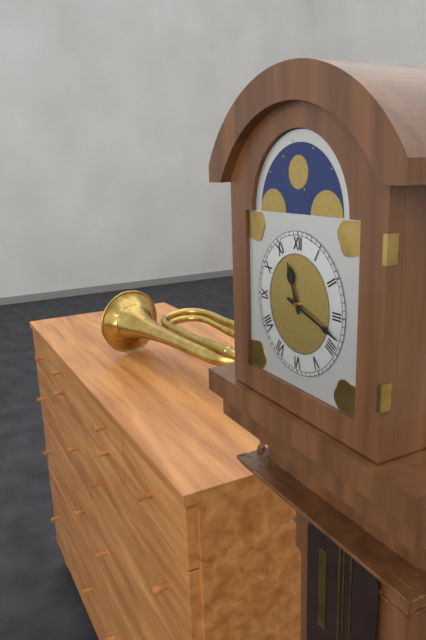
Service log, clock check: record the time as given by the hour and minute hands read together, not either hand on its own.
11:18
